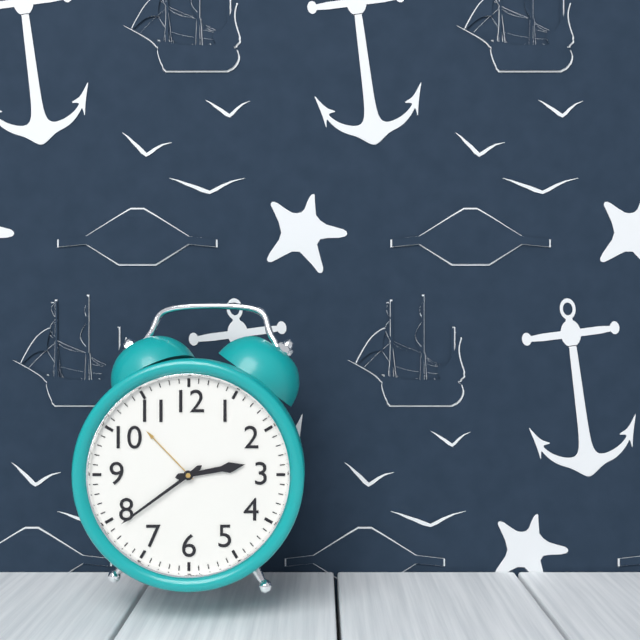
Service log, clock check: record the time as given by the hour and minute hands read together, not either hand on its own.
2:39
